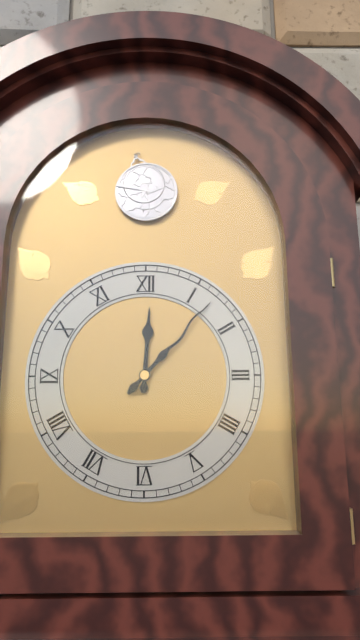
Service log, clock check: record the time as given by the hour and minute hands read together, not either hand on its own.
12:07
